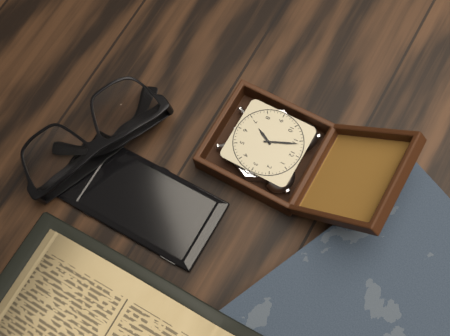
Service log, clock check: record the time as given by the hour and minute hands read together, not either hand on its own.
6:56
